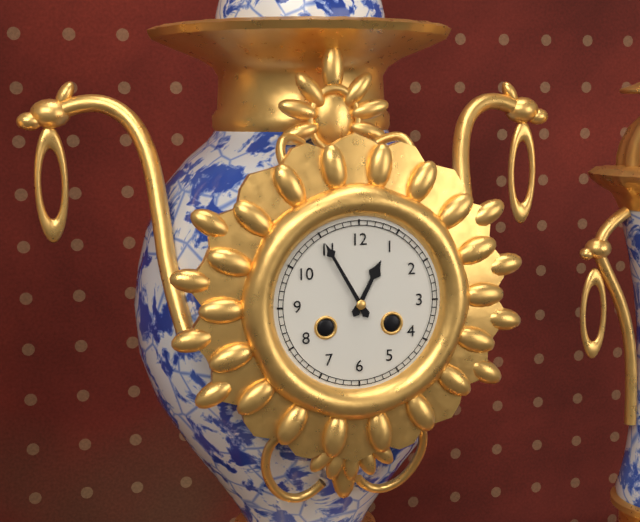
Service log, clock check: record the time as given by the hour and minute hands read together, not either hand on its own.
12:55
